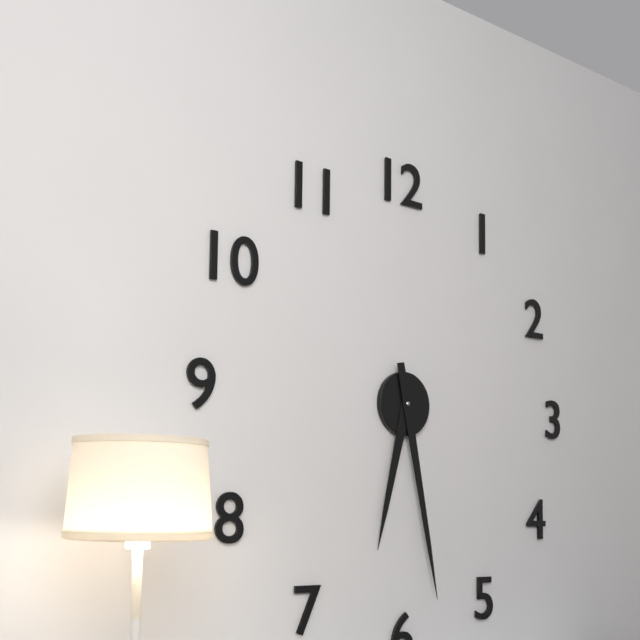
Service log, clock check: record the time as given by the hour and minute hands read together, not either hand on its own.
6:28
